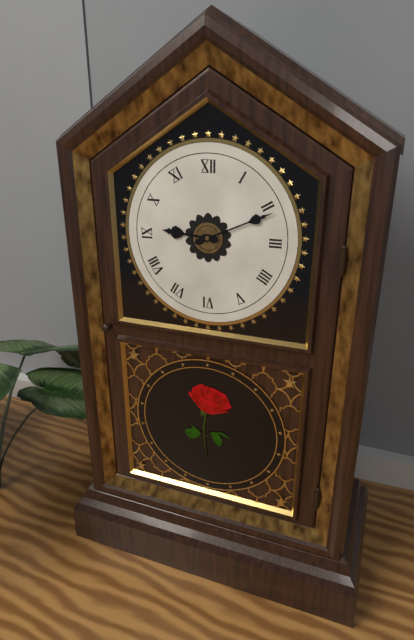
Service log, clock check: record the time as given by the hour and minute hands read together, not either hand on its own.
9:11
